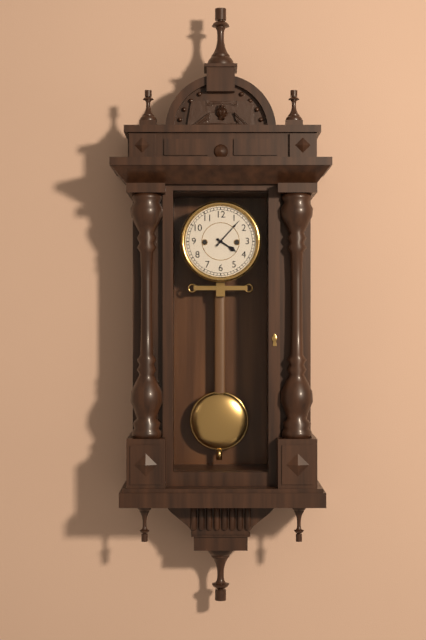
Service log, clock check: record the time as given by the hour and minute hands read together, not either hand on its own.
4:07
